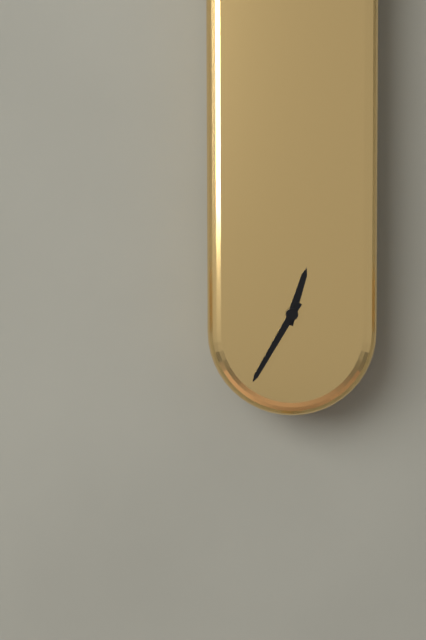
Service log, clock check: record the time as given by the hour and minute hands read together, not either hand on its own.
12:35
